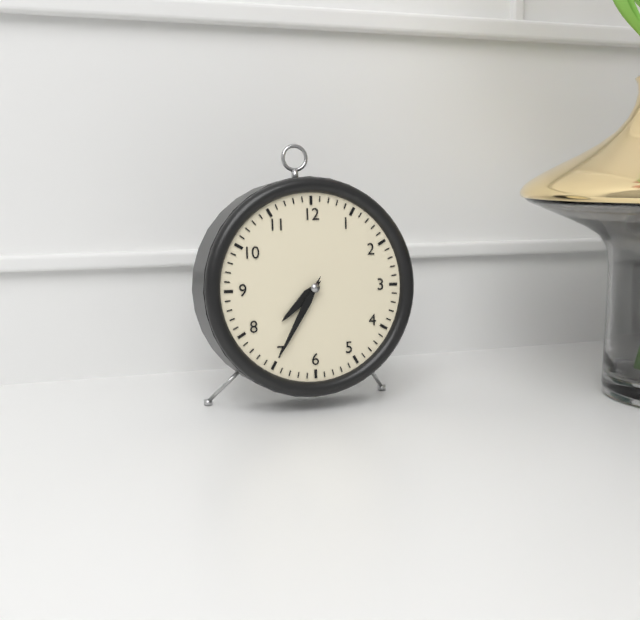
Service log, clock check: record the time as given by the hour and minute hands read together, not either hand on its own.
7:35
